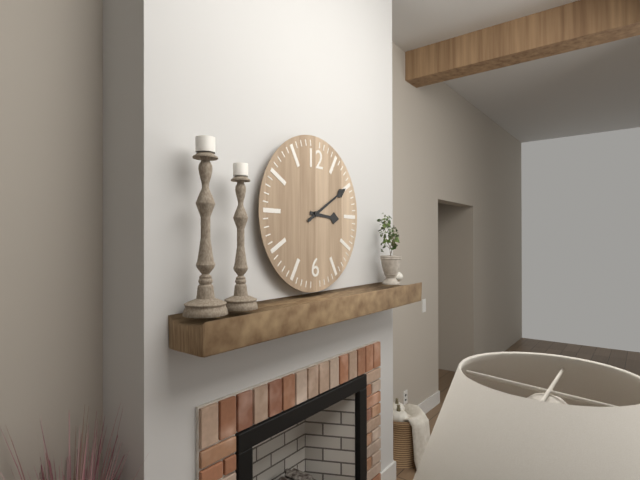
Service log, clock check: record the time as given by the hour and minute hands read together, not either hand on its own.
3:10
